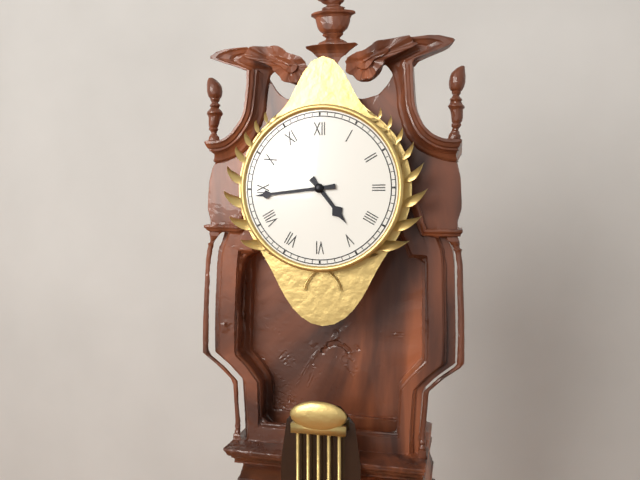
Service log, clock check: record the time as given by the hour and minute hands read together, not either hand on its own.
4:44
